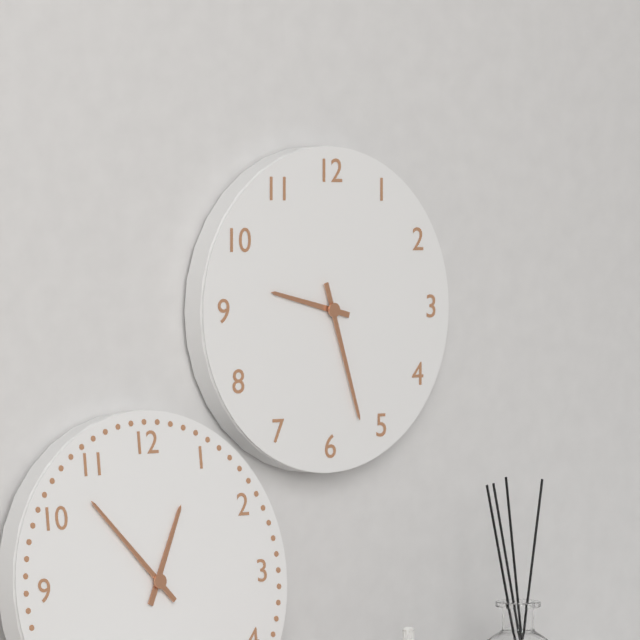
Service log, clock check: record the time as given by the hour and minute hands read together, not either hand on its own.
9:27
